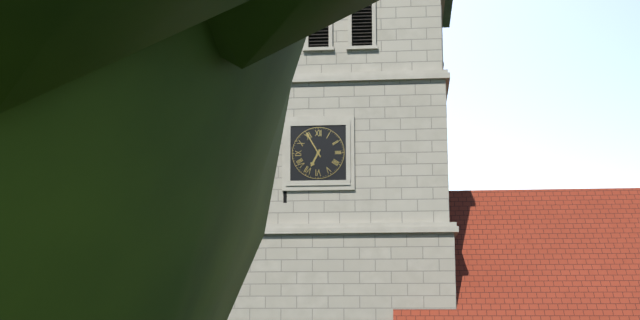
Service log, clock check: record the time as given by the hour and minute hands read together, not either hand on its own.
6:55
